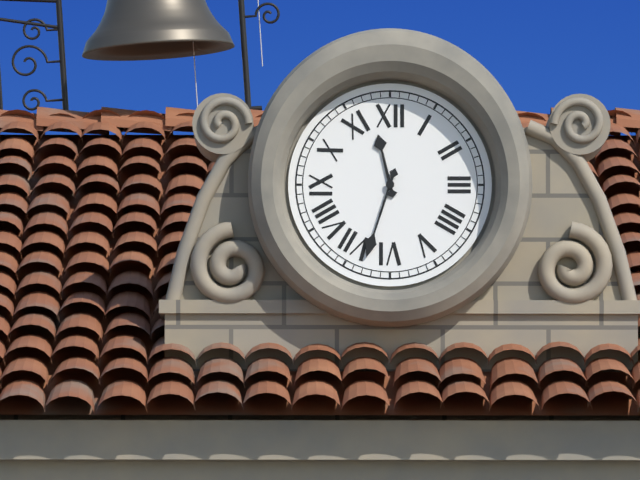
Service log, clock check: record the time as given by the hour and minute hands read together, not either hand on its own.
11:33
